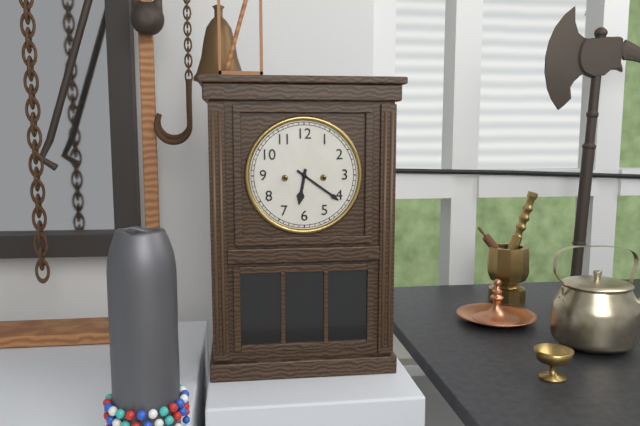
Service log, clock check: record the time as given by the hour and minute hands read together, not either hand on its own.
6:21
